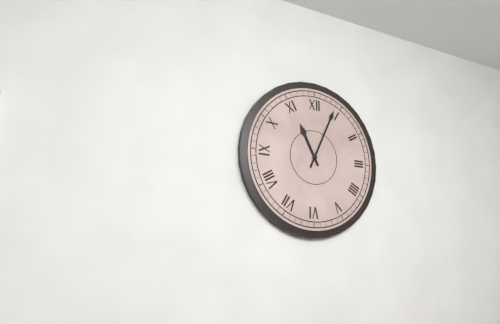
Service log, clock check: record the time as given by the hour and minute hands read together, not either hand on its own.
11:04
